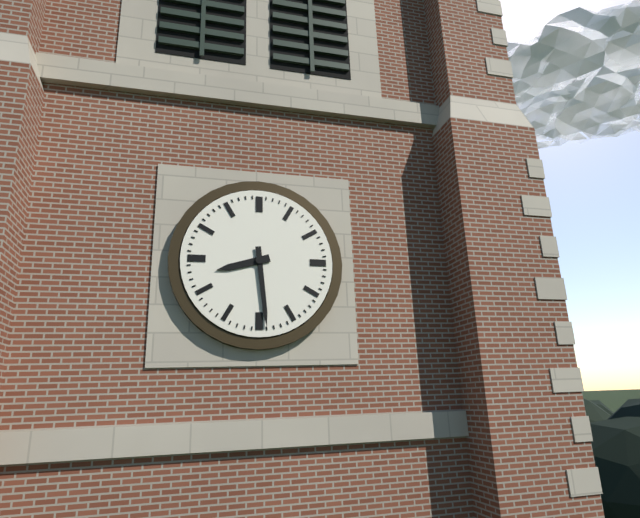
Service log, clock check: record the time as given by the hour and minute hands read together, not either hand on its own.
8:29
